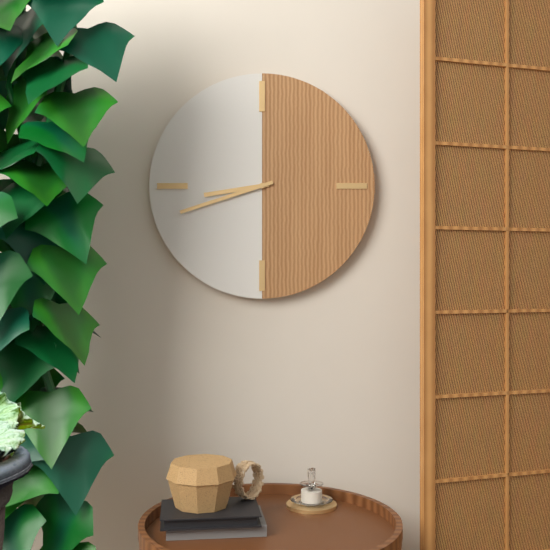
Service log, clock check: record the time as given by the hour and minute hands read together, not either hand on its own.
8:42
